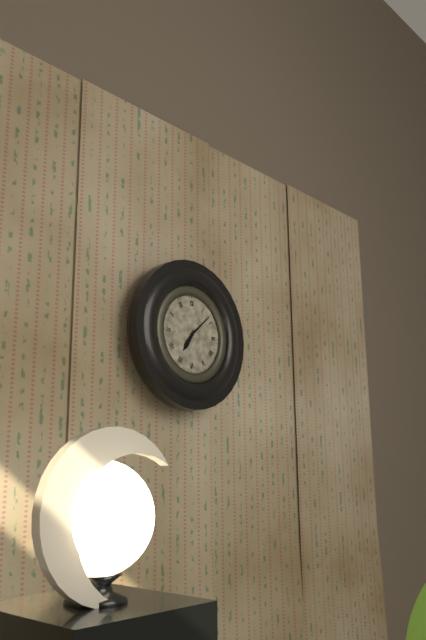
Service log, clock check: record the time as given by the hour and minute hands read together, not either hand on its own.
7:08
